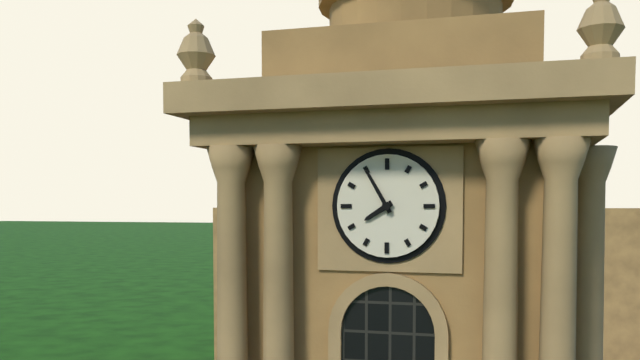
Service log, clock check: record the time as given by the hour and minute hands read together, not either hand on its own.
7:55
